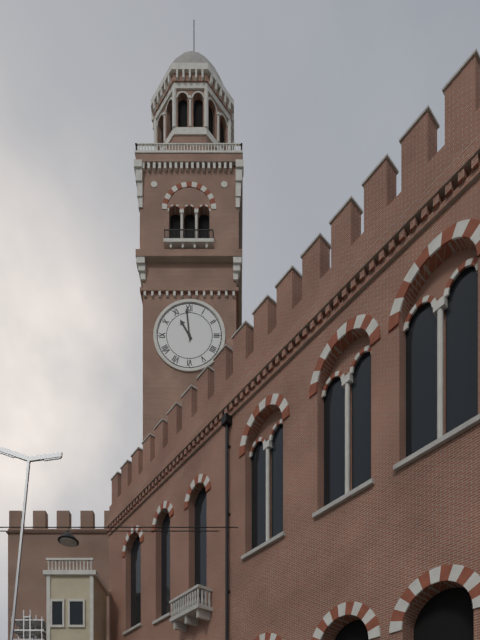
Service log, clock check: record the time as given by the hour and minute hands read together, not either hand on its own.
10:59
